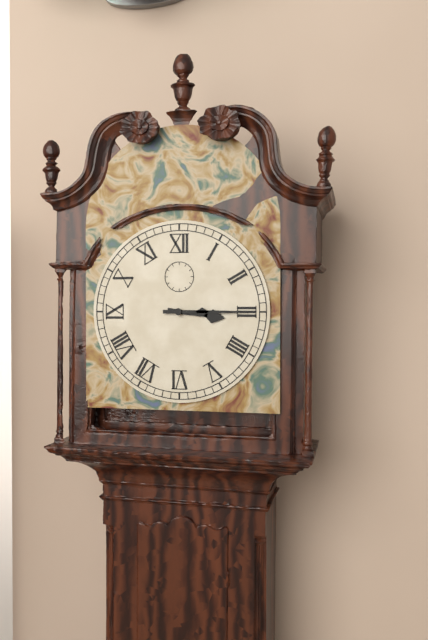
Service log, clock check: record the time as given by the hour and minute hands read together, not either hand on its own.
3:15
